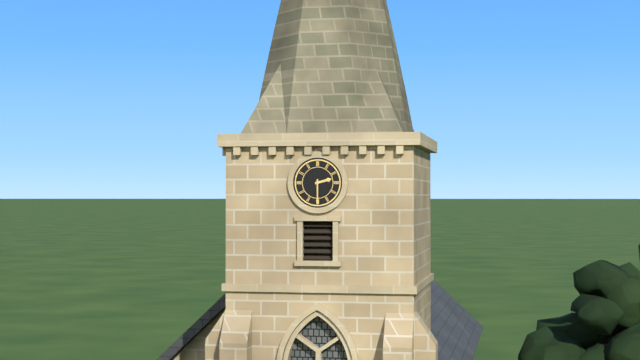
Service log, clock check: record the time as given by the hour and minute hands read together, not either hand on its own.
2:30
